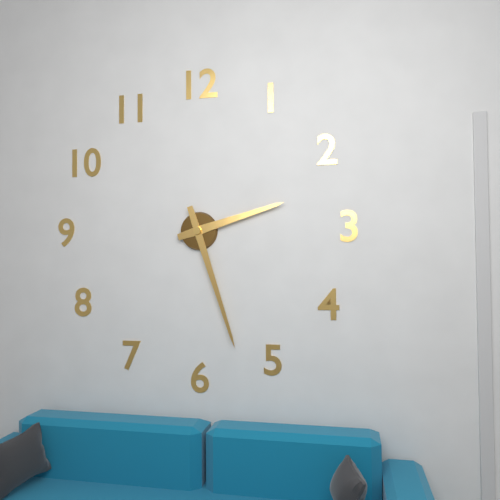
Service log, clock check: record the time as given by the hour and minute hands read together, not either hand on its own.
2:27
